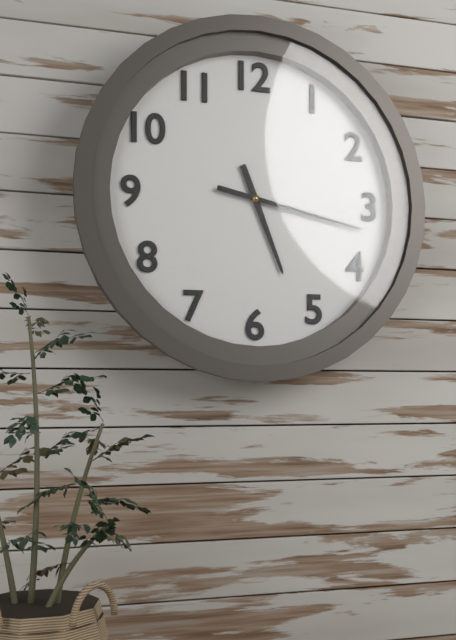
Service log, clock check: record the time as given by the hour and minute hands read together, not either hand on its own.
5:17
